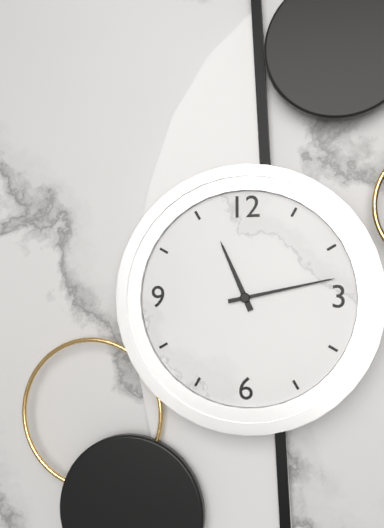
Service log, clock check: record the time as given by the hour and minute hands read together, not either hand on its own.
11:13
